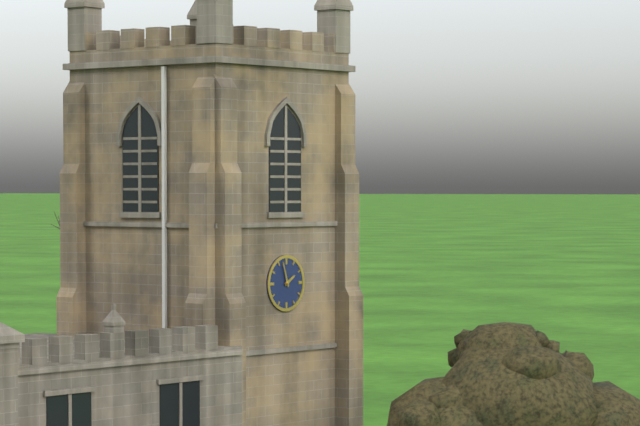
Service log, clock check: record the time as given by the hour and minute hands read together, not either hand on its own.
1:57
